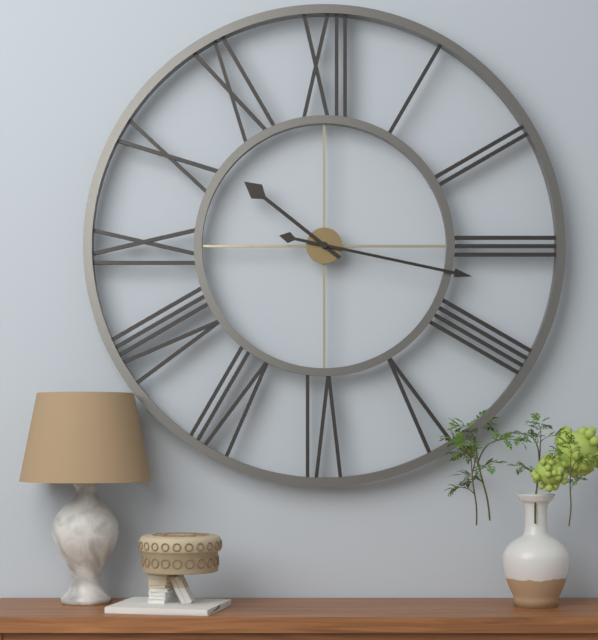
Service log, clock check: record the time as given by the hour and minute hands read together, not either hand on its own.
10:17
